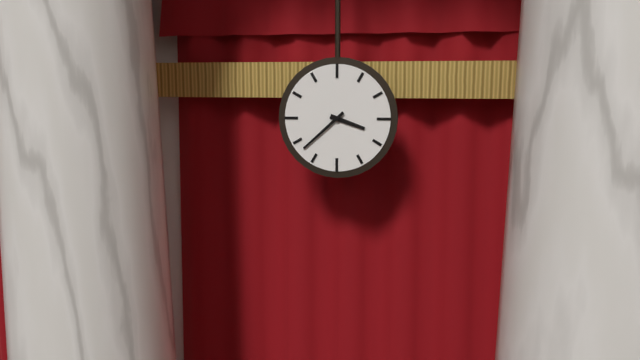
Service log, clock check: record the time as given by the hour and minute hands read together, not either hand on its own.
3:38
